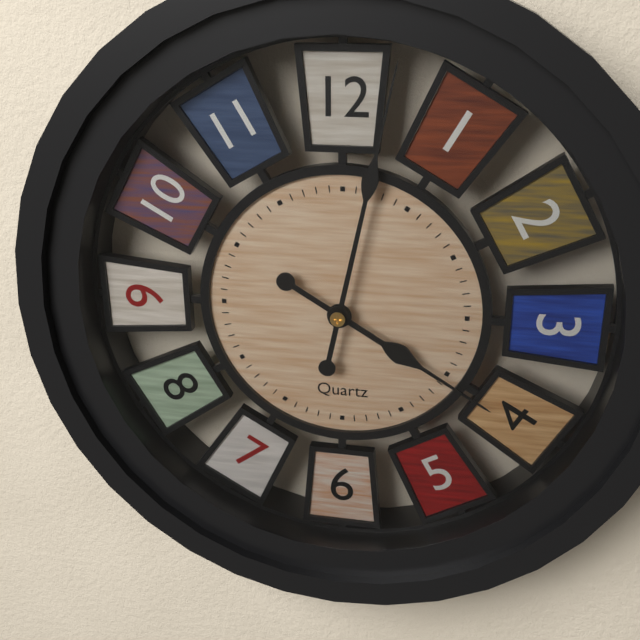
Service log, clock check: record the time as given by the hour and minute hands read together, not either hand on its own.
4:02
